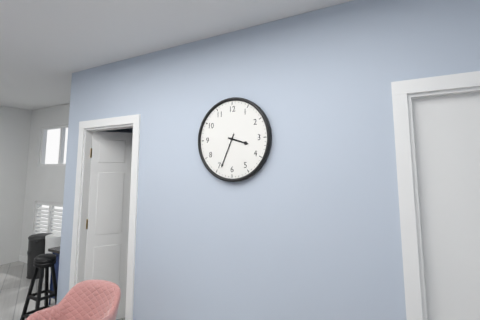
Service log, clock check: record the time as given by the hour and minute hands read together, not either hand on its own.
3:34
